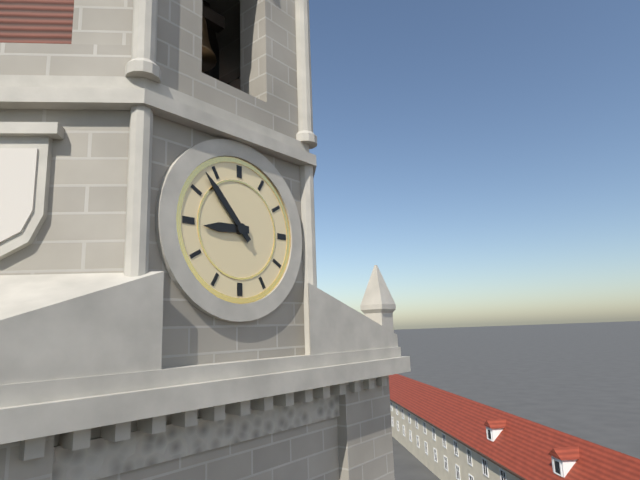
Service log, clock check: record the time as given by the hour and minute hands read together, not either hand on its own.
8:53
